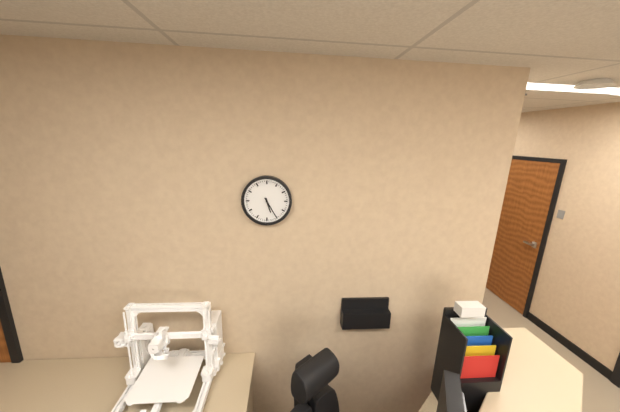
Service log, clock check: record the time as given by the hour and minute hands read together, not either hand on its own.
5:25
